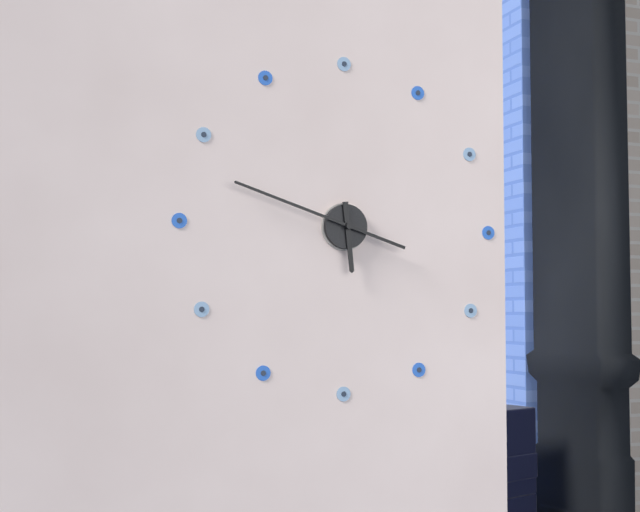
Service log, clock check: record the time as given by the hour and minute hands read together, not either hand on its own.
5:48
